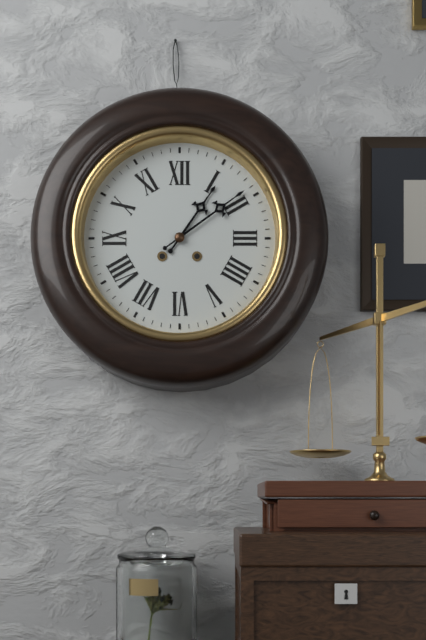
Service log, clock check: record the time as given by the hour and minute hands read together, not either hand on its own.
1:09
